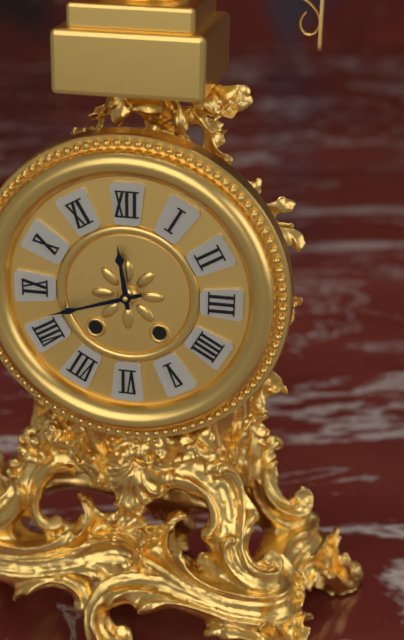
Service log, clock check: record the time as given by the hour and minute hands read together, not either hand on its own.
11:42
